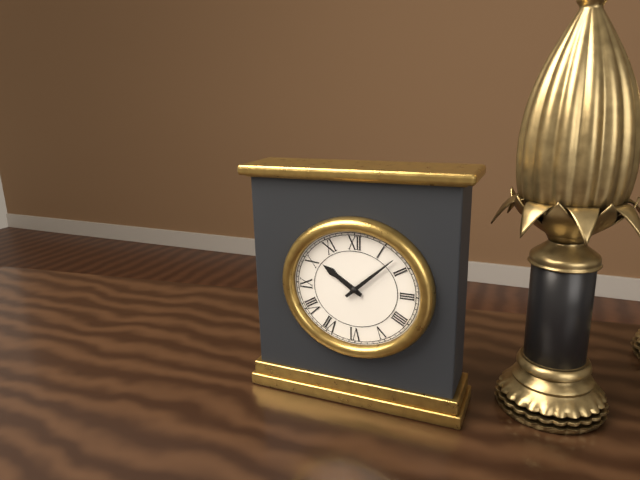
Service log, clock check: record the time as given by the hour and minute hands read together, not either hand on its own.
10:08
